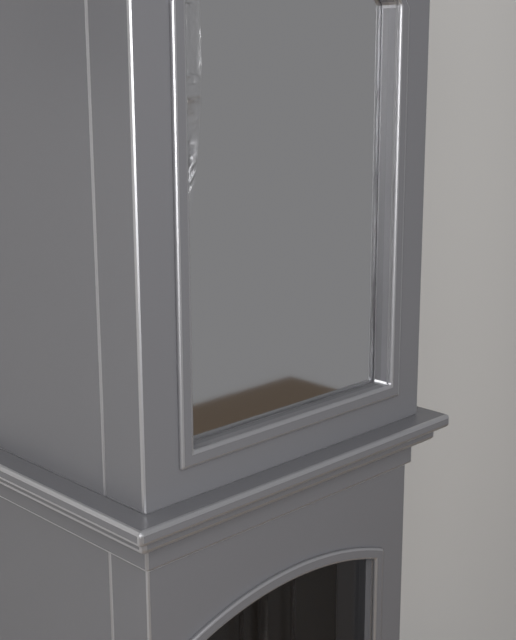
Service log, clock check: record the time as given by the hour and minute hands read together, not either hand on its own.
2:02
